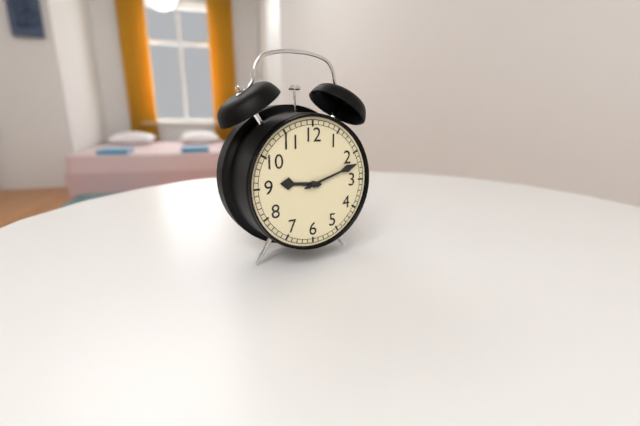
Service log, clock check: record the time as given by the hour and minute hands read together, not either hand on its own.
9:12
